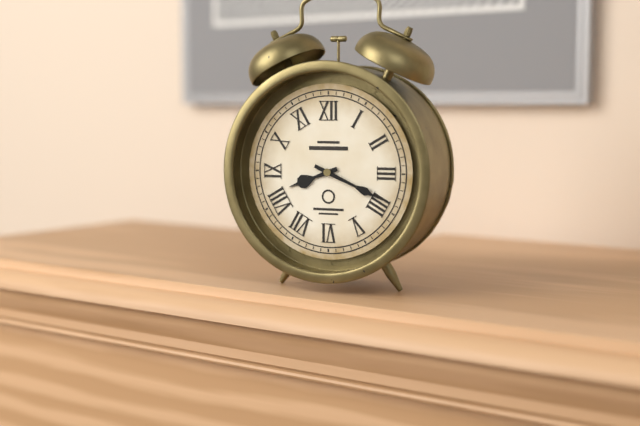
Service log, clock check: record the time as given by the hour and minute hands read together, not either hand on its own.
8:19
